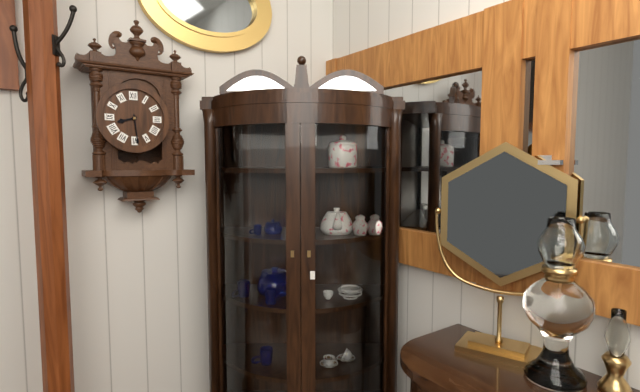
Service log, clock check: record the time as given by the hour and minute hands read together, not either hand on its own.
8:29
